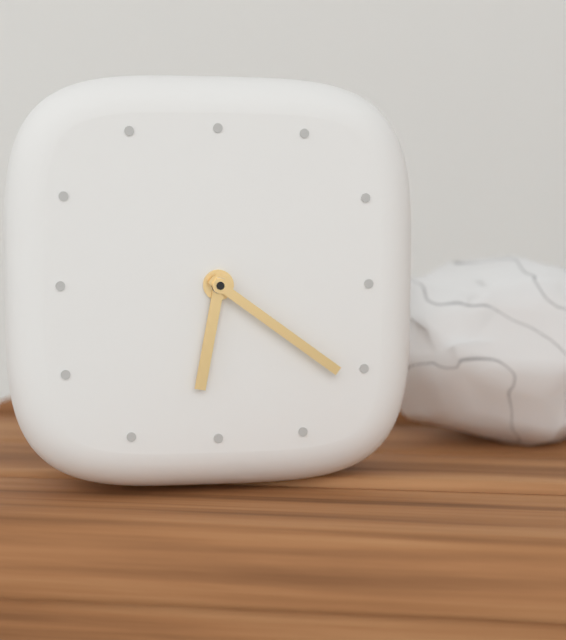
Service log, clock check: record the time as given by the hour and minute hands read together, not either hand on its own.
6:21
